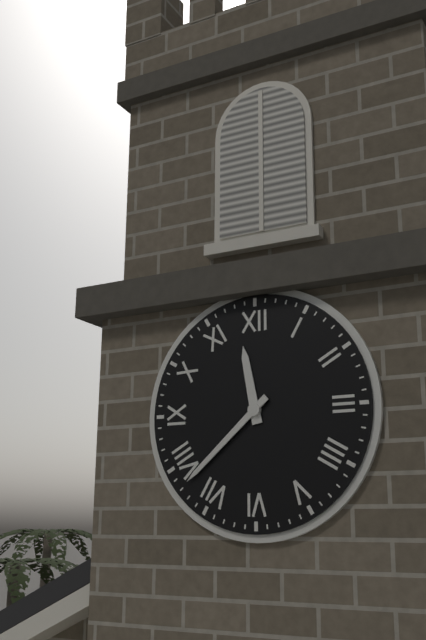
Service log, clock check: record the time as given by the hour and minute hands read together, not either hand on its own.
11:38
